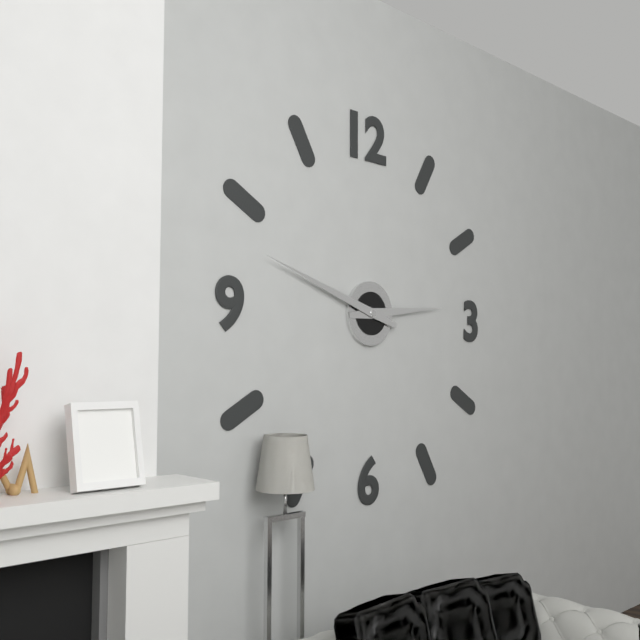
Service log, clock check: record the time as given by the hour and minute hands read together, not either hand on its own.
2:48
